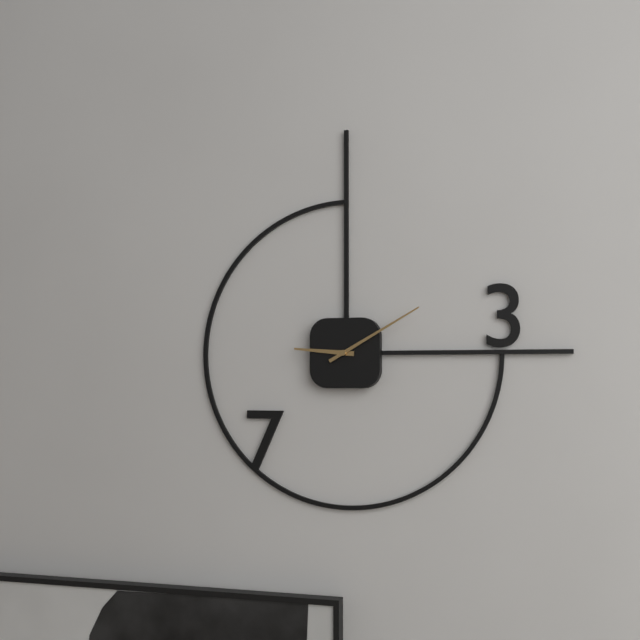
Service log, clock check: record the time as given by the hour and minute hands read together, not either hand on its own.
9:10
